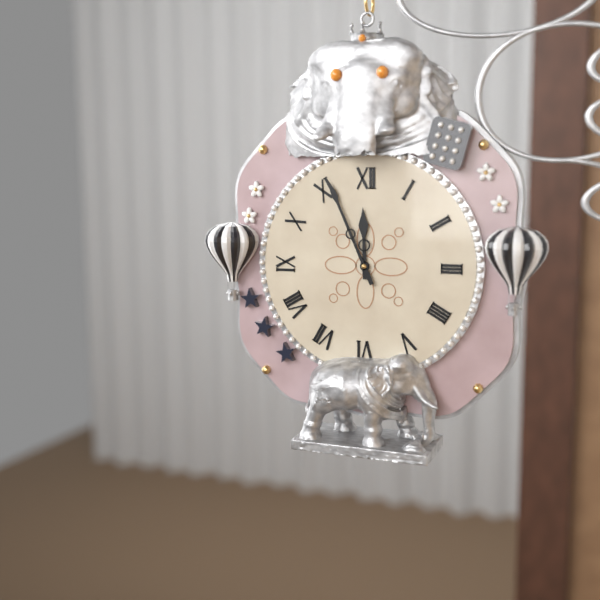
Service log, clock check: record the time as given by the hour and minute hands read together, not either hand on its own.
11:56
